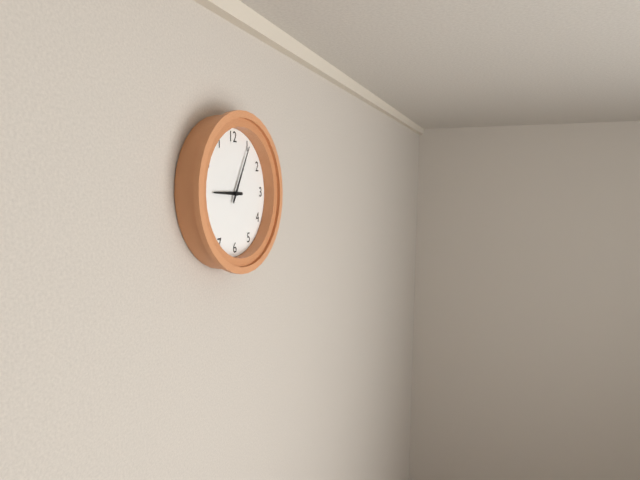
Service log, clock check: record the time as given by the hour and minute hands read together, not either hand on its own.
9:05
